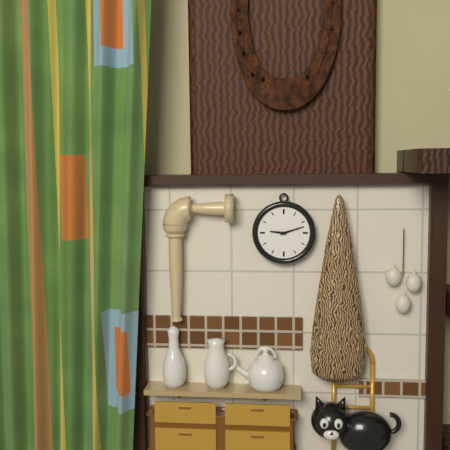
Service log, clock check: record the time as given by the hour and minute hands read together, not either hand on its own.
9:12
